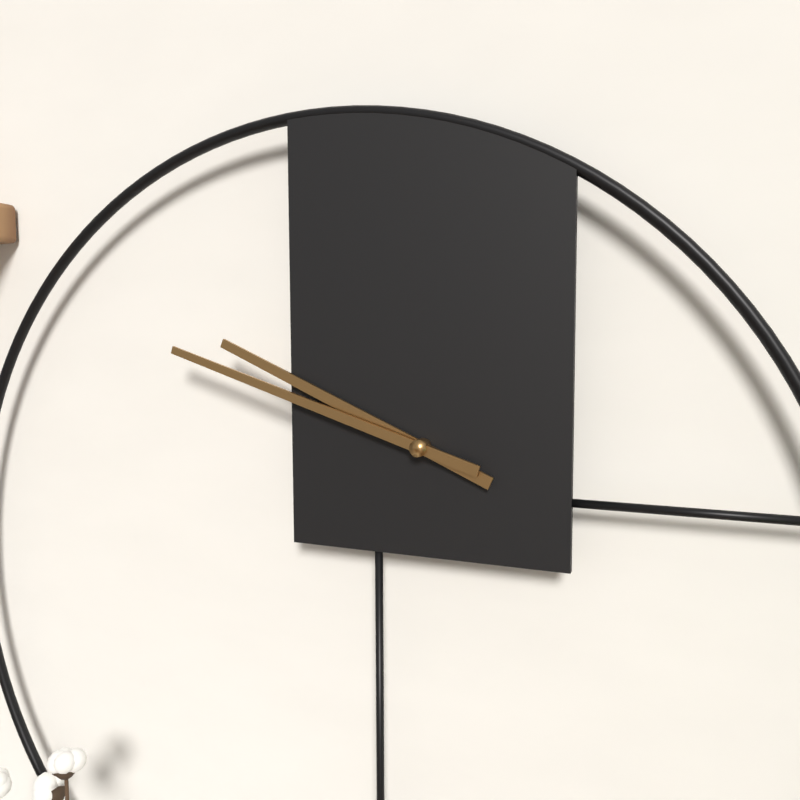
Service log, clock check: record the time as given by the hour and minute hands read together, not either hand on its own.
9:48
